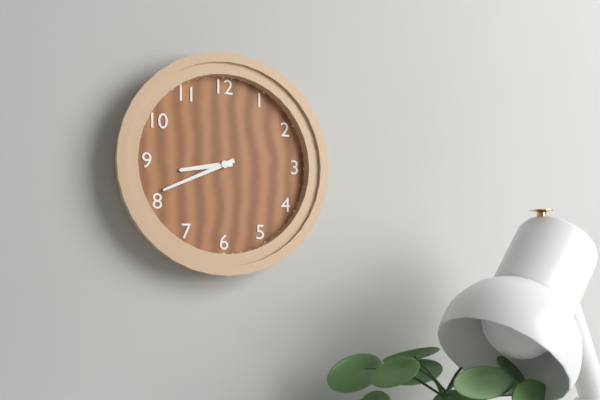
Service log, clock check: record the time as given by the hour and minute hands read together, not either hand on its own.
8:41
